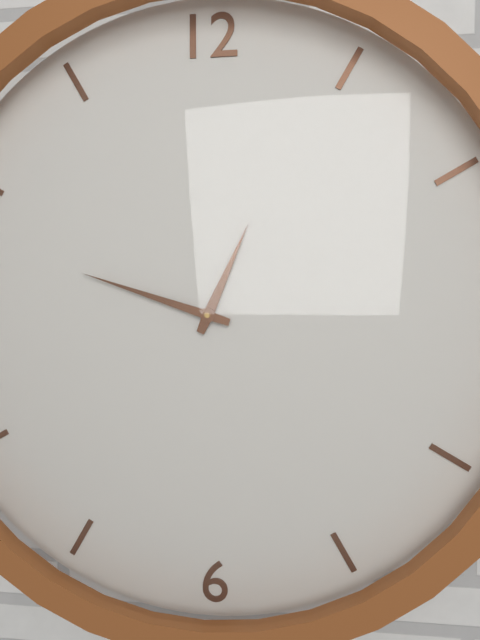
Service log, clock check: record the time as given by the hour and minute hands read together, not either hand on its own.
12:48
